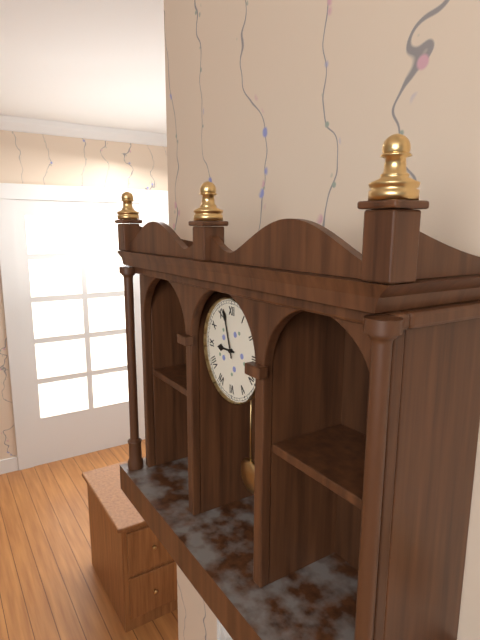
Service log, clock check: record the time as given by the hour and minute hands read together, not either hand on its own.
8:57
